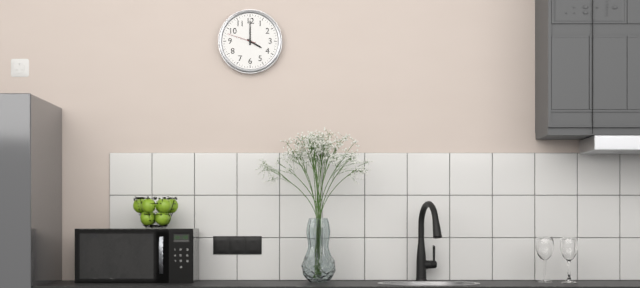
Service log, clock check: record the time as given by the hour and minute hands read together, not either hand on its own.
4:00
